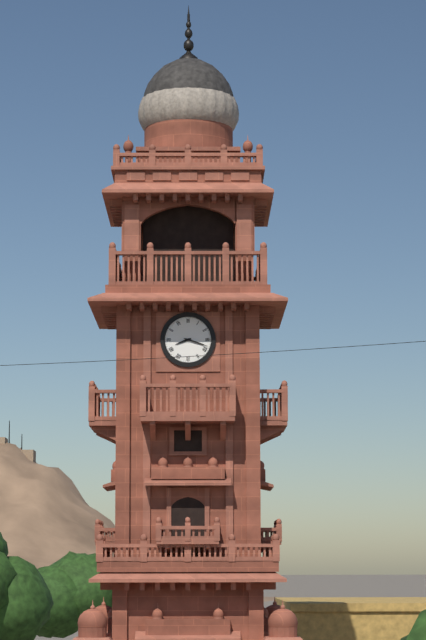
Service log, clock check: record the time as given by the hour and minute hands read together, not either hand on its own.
8:18
